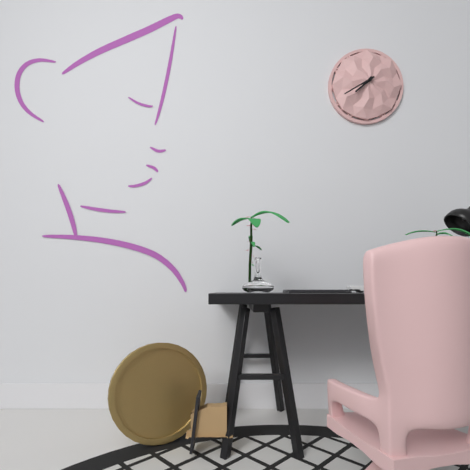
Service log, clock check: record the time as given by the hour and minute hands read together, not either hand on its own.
7:40
